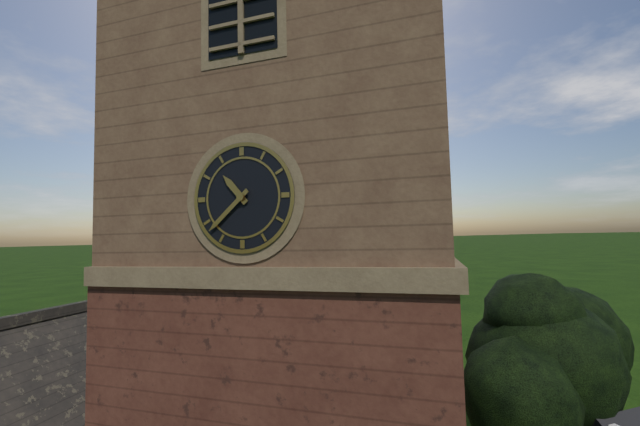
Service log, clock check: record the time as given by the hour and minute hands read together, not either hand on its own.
10:38
